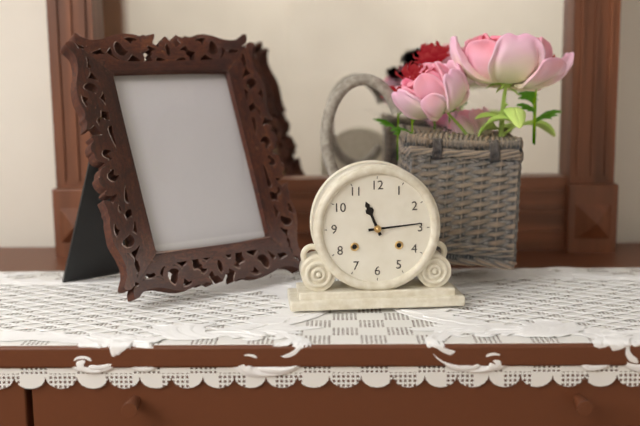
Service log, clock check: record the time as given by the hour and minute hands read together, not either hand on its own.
11:14
